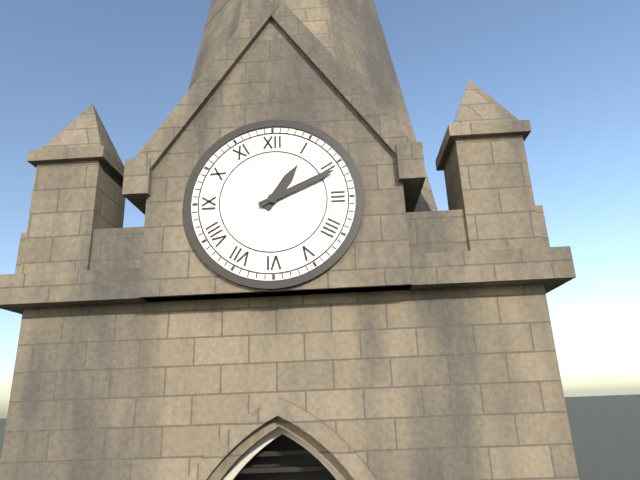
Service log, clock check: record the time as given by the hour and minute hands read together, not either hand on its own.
1:11
